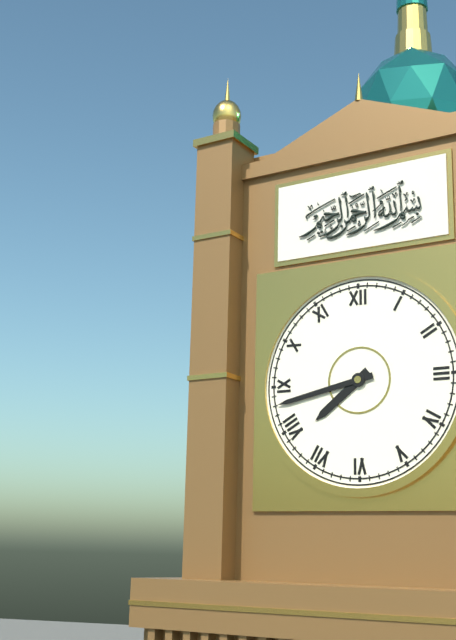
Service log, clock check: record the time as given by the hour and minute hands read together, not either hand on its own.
7:43
